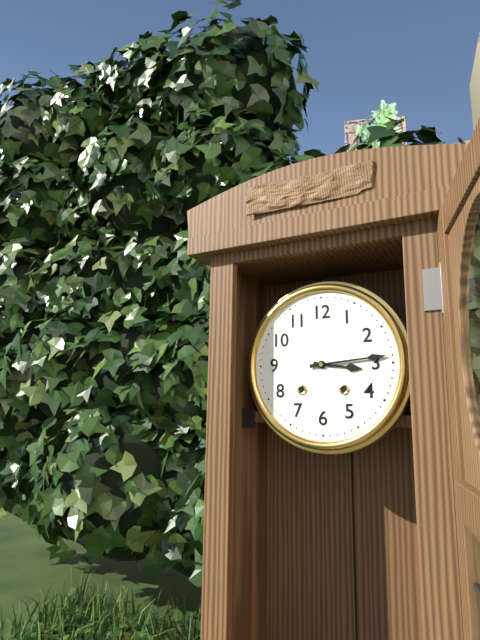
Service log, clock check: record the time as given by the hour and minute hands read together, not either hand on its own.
3:14
